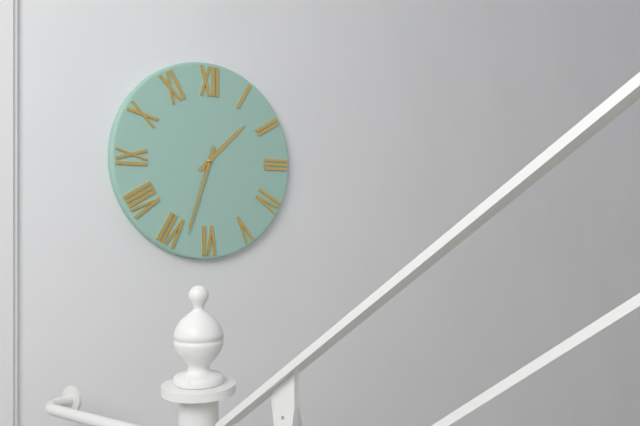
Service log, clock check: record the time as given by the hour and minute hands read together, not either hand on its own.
1:33
